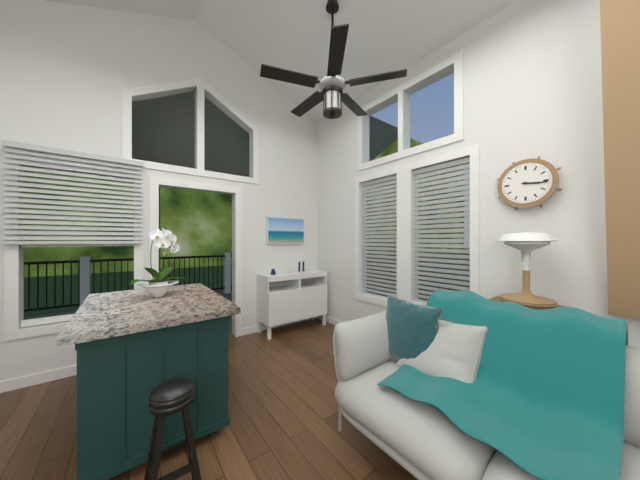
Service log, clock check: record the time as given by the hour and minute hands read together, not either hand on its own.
3:16
